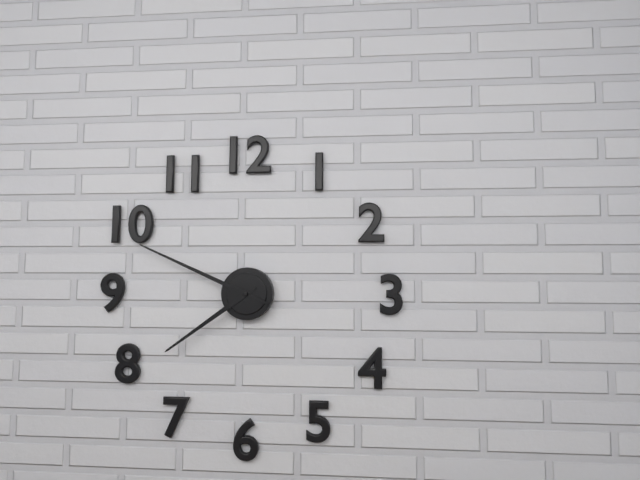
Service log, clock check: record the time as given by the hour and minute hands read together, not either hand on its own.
7:49
